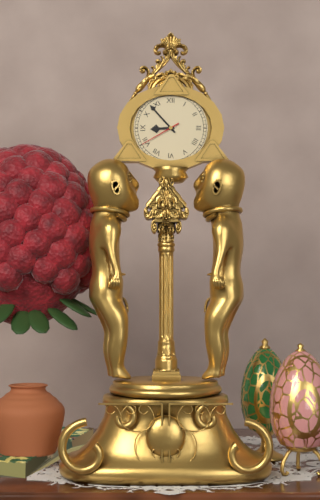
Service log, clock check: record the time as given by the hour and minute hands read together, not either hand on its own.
8:53
